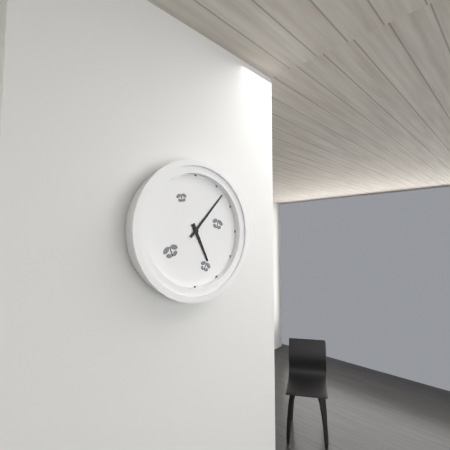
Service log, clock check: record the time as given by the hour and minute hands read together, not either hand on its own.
5:07
